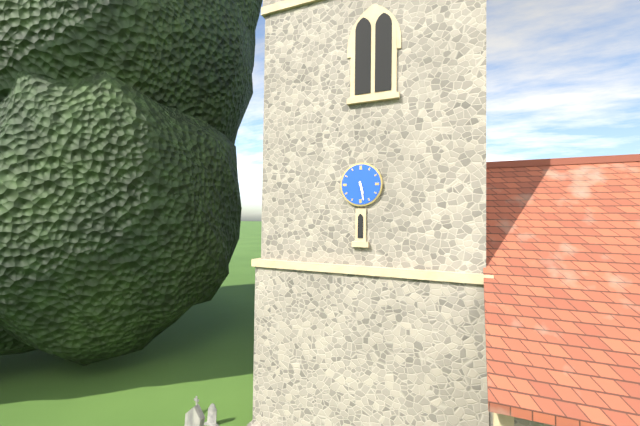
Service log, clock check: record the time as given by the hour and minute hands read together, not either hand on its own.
5:28
